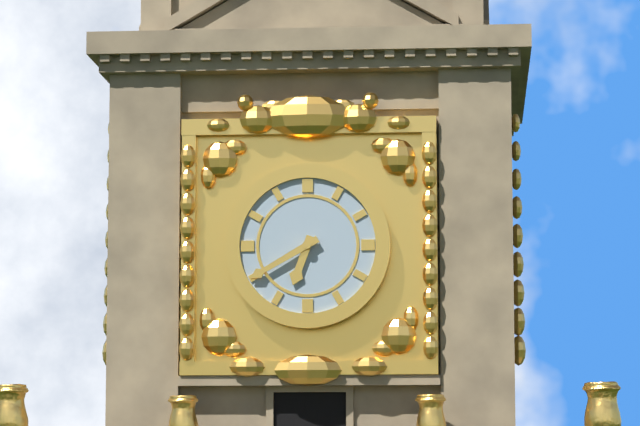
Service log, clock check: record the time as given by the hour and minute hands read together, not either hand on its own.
6:40
